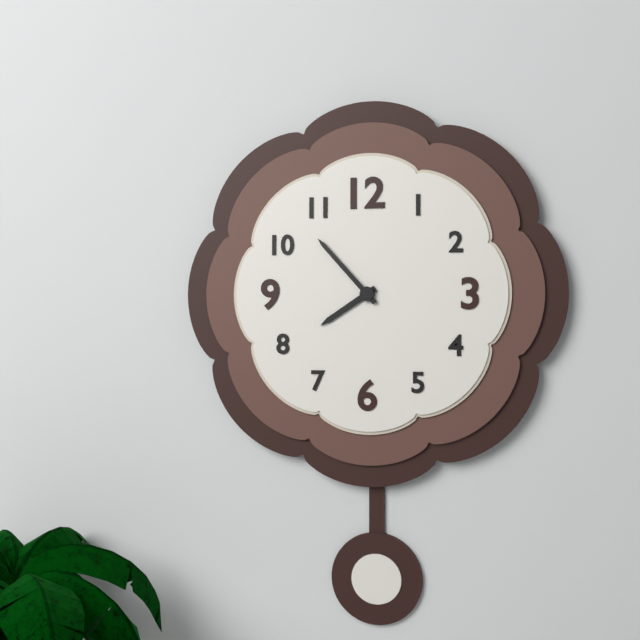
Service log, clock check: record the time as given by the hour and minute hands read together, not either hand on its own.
7:53
